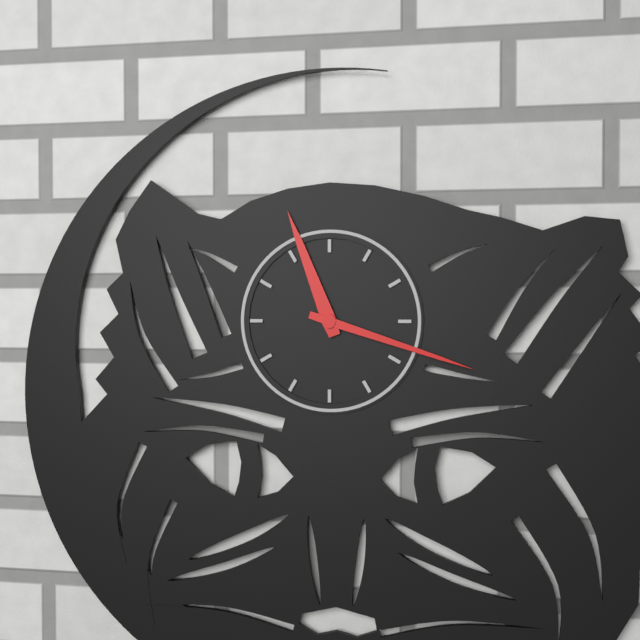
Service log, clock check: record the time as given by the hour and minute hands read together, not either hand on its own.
11:18
